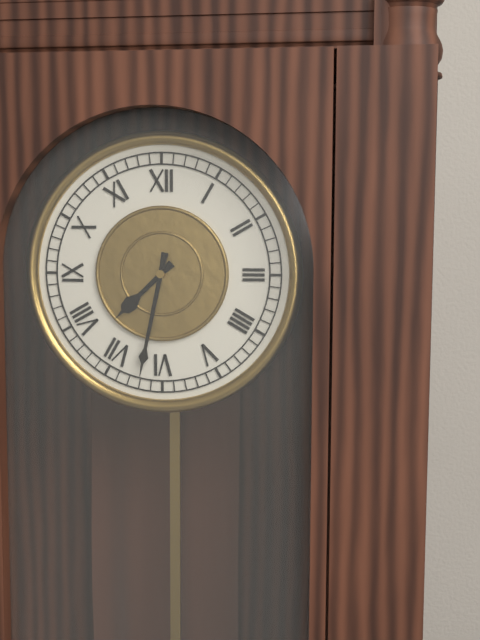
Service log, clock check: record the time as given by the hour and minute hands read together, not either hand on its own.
7:32
